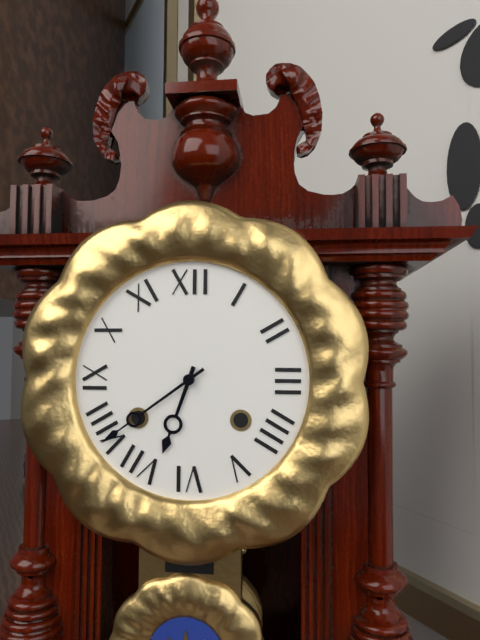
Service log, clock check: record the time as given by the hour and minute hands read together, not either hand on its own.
6:39
